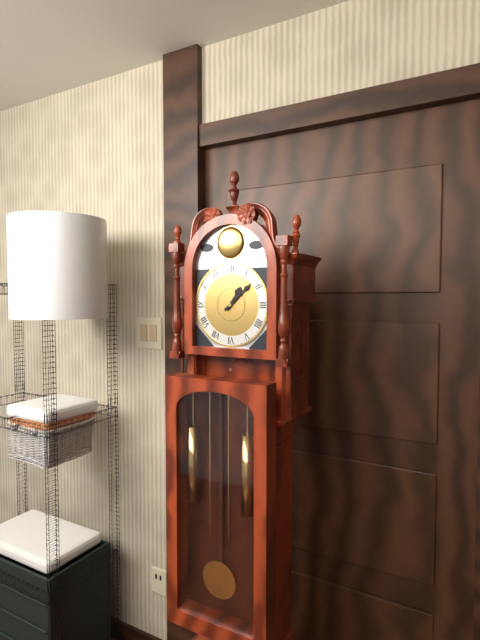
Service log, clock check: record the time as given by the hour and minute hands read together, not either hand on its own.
1:08
